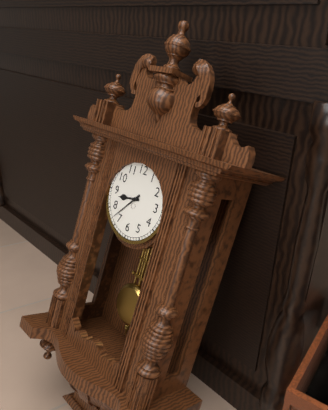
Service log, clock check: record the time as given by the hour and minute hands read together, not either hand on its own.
8:37
